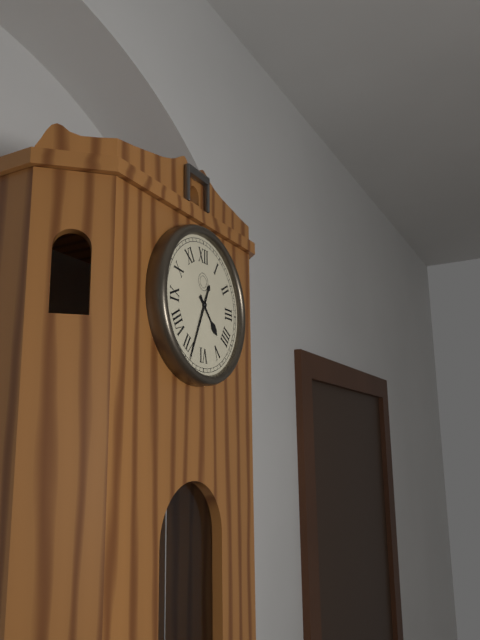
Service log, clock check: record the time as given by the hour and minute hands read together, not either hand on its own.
4:34
